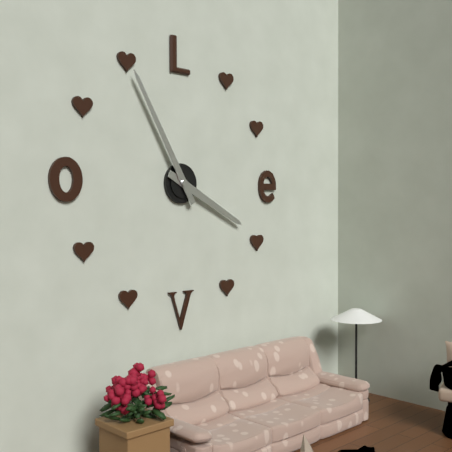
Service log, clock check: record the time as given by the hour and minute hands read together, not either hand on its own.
3:55
